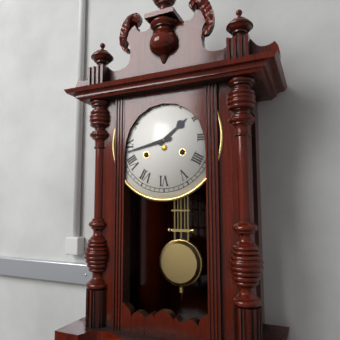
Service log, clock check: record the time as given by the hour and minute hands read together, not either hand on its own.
1:43
